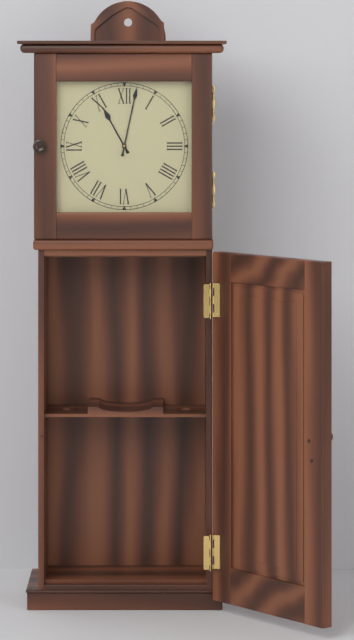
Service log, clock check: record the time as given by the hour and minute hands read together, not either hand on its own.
11:02
